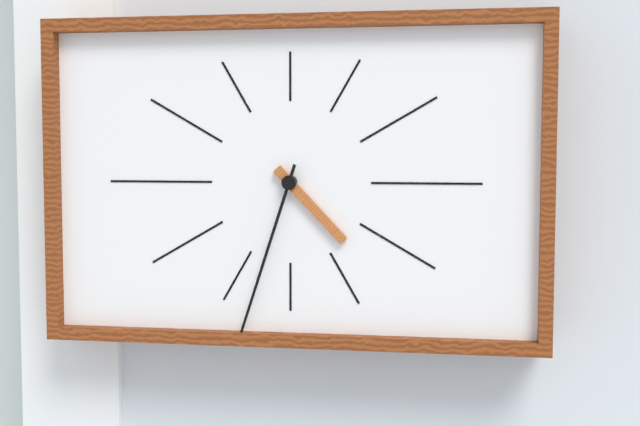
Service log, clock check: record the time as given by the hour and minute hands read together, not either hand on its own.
4:33
